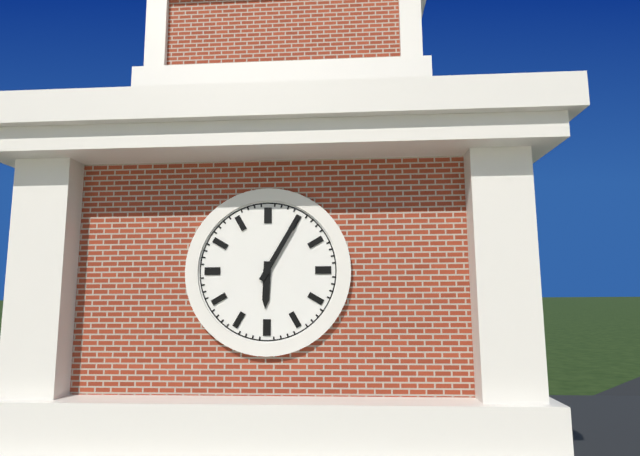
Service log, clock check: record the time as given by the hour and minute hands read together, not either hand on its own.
6:05
